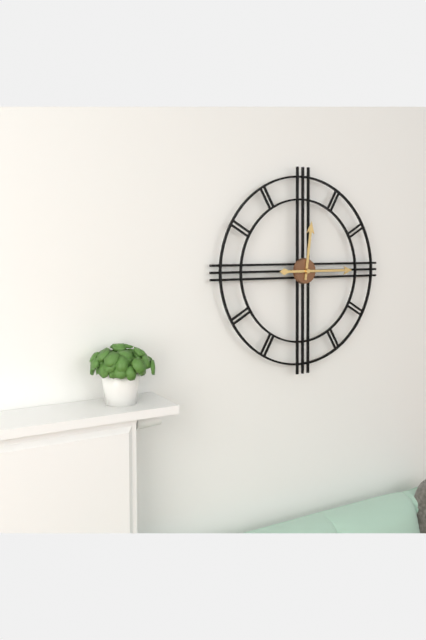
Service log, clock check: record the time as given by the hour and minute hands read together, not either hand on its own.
12:15
